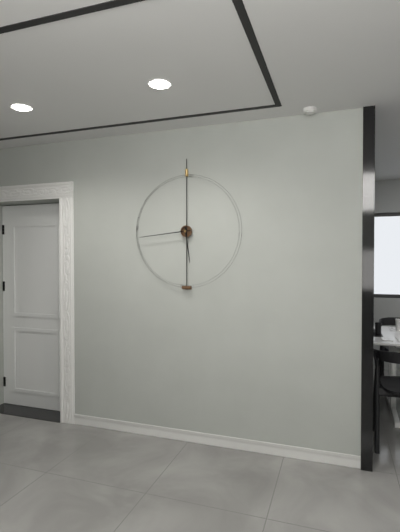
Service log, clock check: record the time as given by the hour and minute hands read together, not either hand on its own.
5:44
